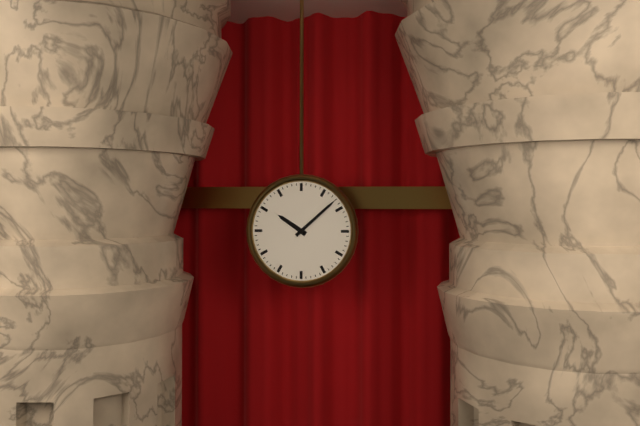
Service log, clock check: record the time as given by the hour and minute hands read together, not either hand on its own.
10:08
